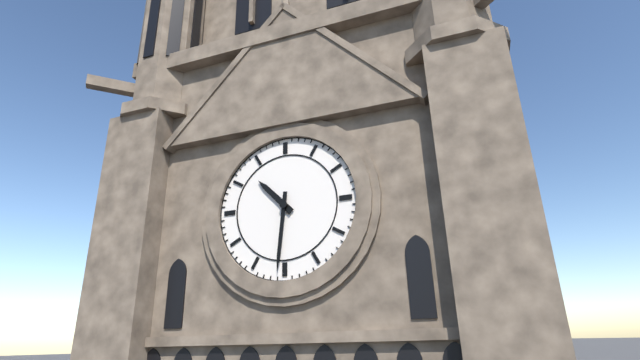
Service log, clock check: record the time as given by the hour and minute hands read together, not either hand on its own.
10:31
